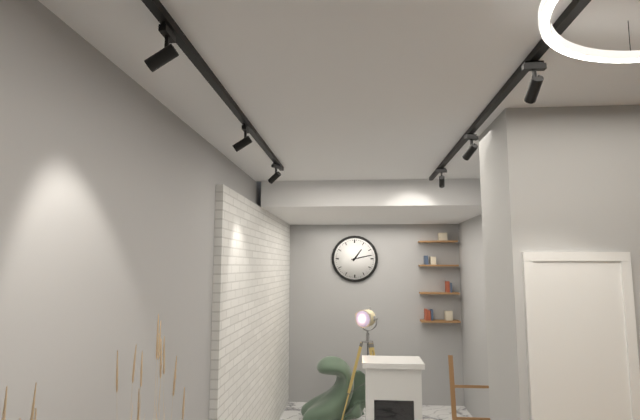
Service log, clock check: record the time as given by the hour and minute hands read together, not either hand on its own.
1:13
